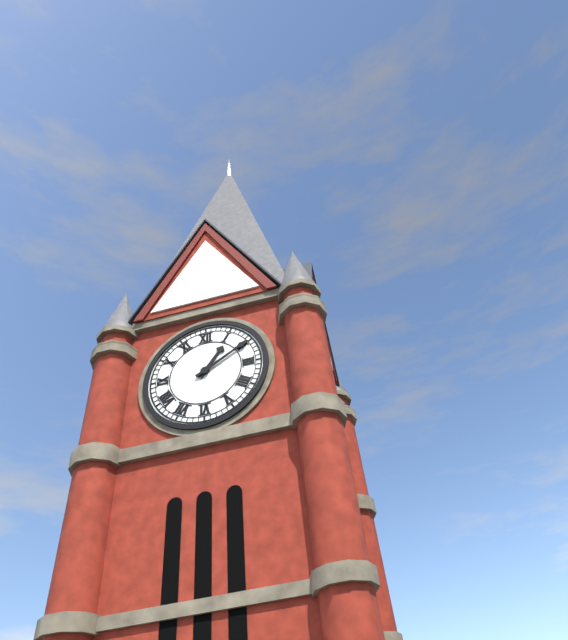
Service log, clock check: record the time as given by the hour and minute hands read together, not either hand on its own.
1:10
